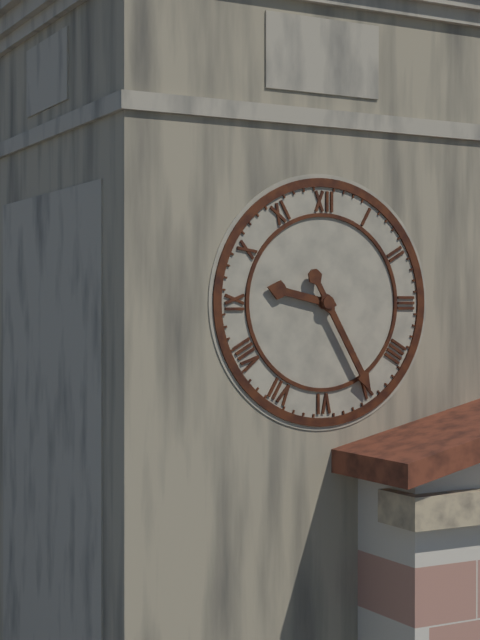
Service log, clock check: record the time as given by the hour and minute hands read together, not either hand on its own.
9:25
